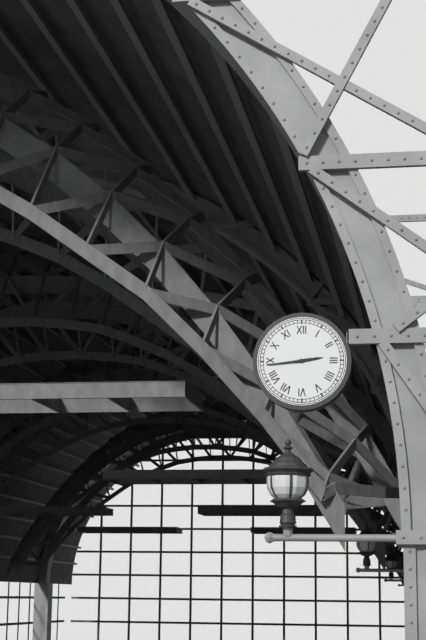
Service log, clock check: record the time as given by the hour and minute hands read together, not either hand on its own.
2:44
